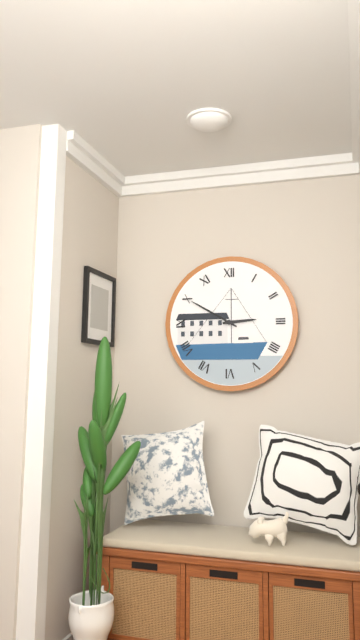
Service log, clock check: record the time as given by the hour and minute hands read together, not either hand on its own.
2:50
